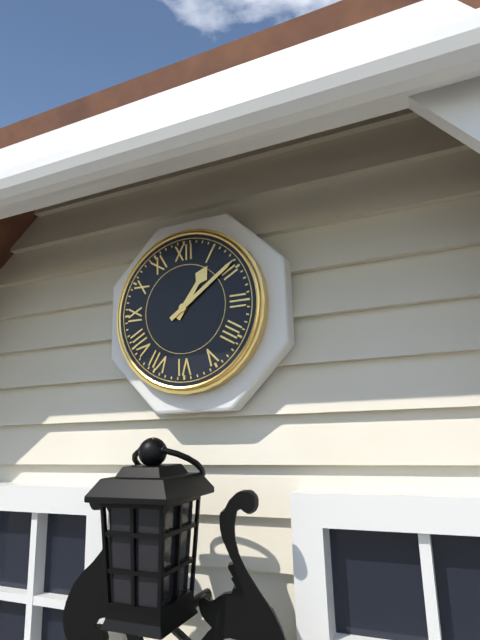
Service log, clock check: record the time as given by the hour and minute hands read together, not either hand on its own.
1:09
